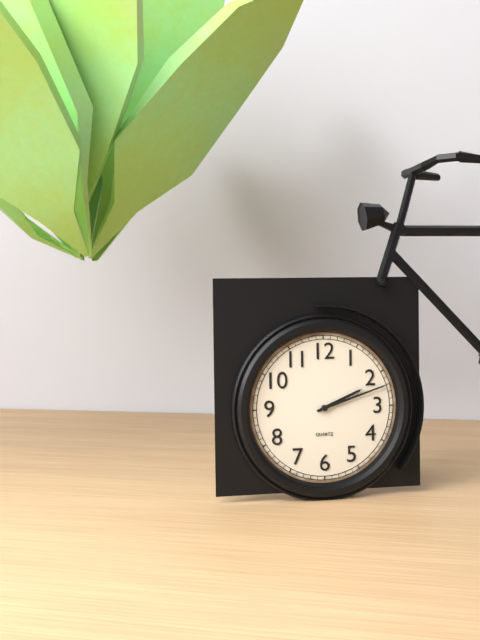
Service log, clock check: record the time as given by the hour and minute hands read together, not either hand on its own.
2:12
